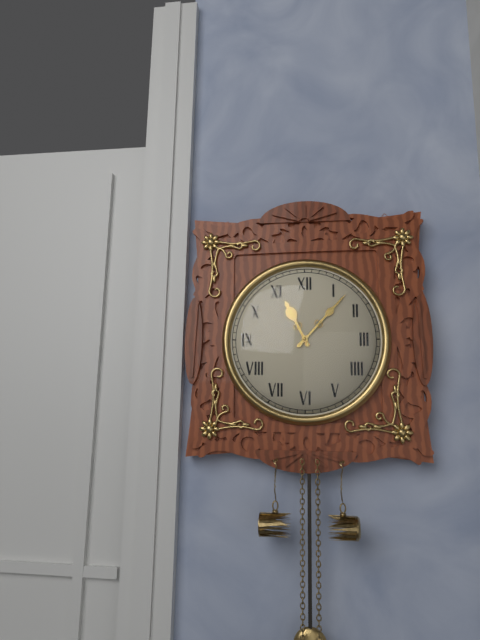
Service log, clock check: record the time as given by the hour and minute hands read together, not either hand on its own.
11:07
